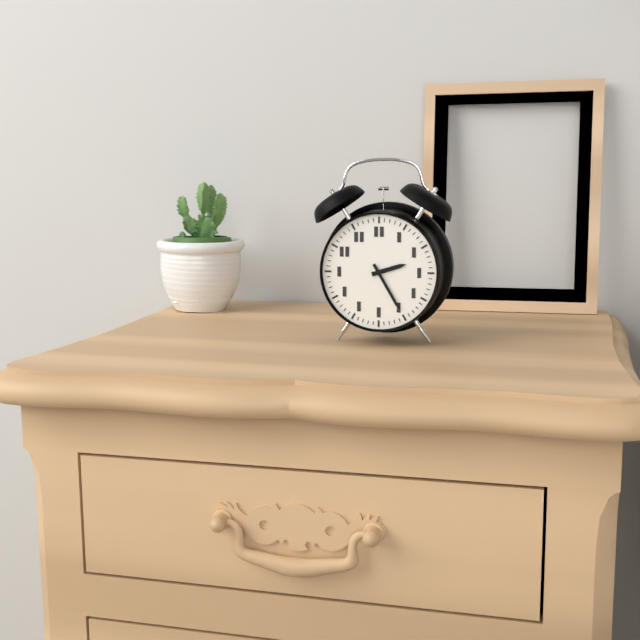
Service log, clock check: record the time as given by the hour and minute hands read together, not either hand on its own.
2:25
